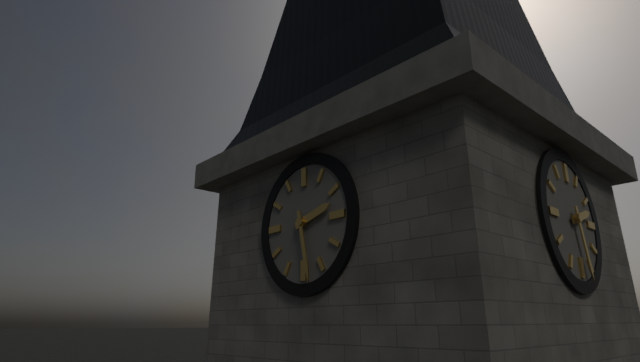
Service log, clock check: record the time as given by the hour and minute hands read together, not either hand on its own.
2:28
